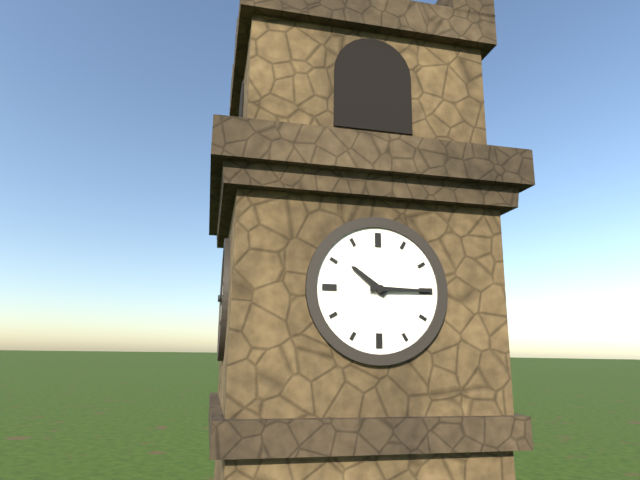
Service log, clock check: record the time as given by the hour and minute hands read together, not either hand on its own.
10:15
